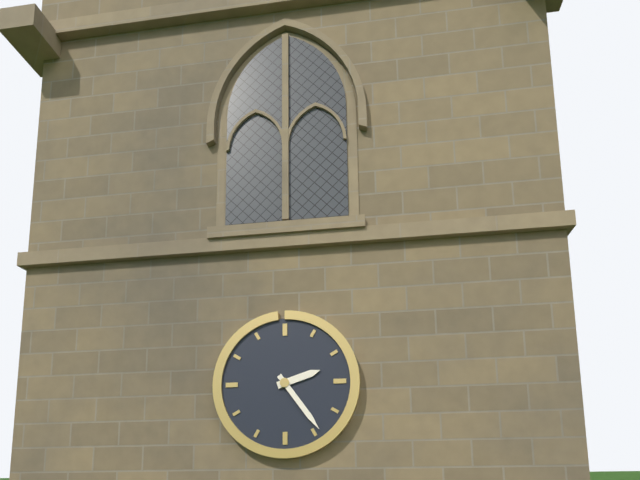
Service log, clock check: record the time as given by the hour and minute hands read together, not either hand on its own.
2:24
